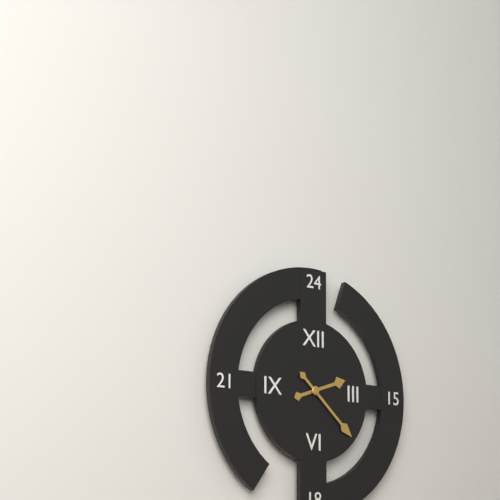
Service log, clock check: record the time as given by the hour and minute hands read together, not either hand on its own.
2:22
